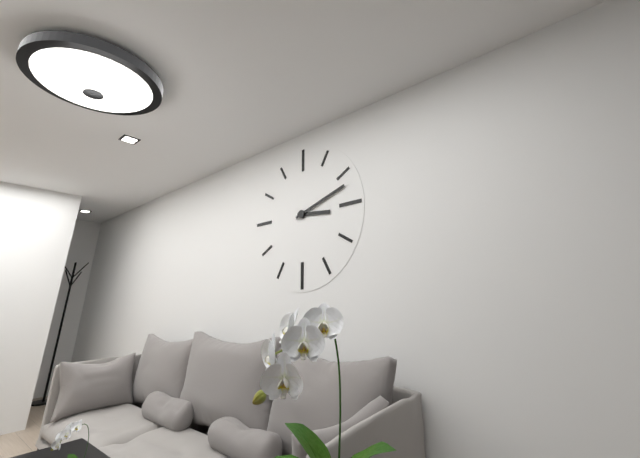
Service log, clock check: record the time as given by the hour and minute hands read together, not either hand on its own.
3:12
